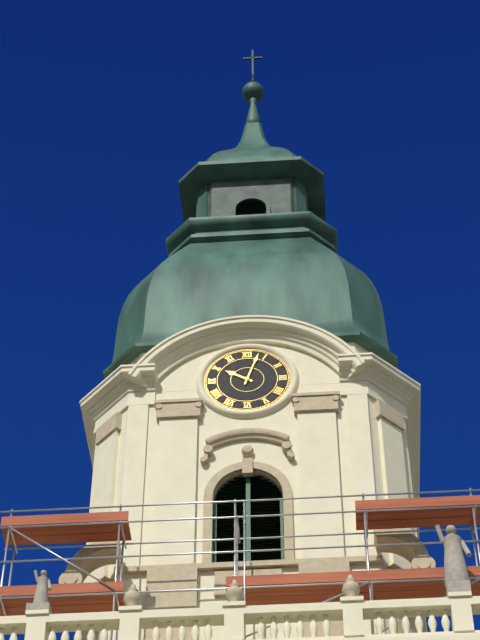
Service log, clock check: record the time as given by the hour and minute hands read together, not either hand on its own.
10:03
